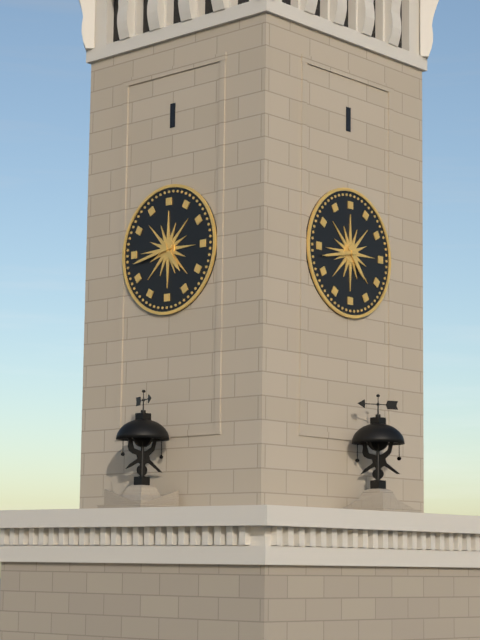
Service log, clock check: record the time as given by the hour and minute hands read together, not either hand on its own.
4:43
